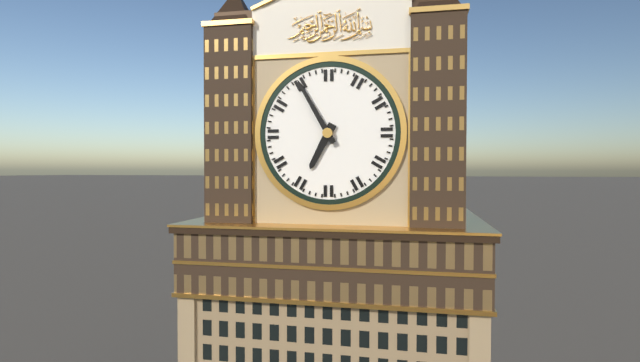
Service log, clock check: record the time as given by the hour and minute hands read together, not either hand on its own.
6:55
